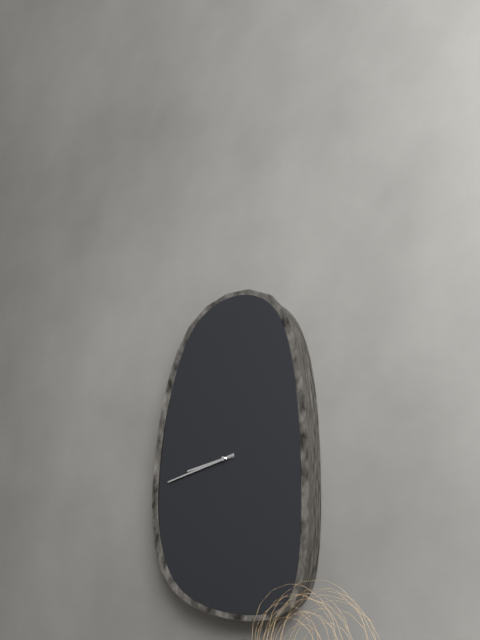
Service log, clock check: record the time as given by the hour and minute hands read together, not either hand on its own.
8:43
